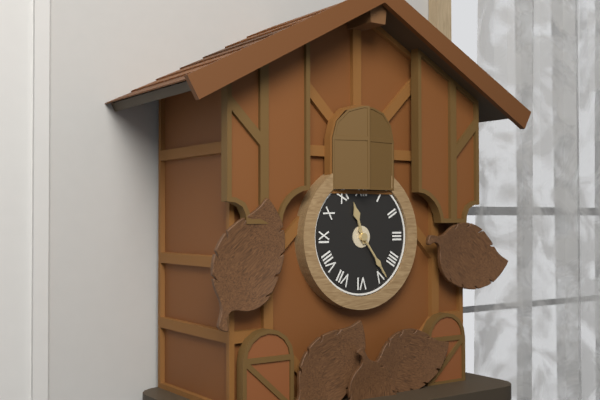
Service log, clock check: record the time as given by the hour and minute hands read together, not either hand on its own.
11:24
